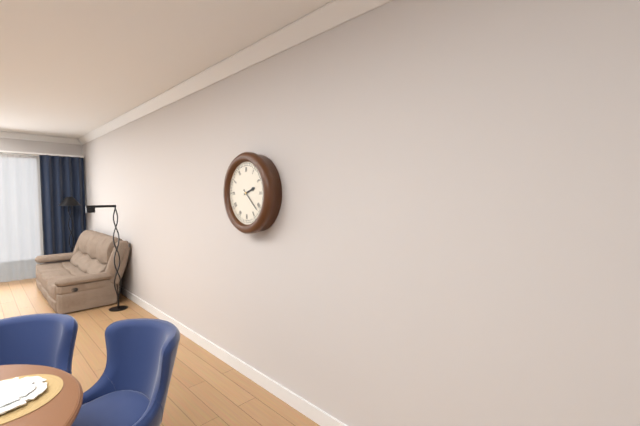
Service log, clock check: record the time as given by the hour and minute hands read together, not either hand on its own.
2:22
